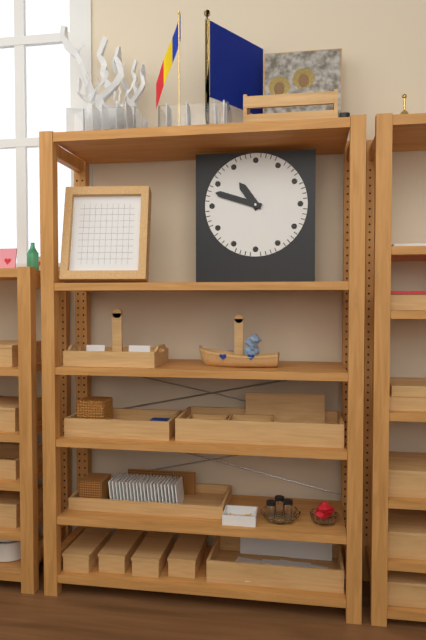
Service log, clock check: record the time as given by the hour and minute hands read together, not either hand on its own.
10:48
